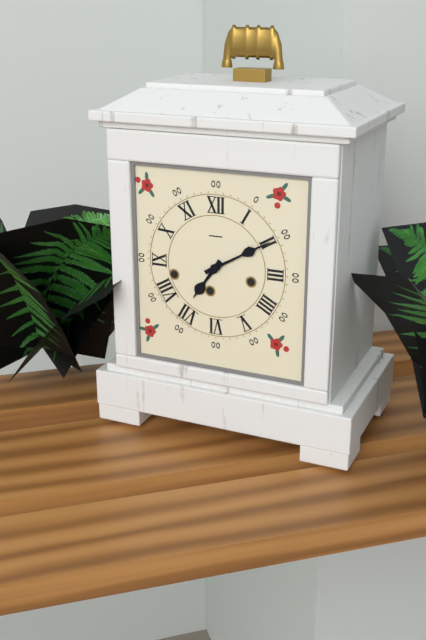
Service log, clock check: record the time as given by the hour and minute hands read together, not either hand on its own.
7:10
